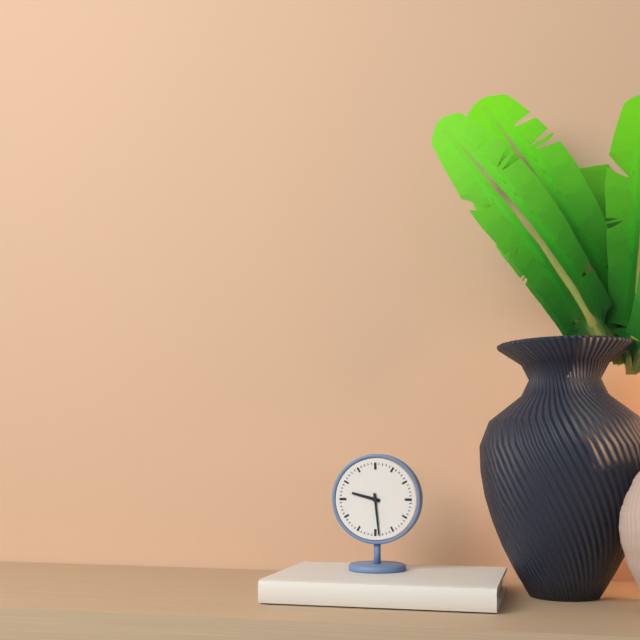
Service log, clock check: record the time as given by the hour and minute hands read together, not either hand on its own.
9:29
